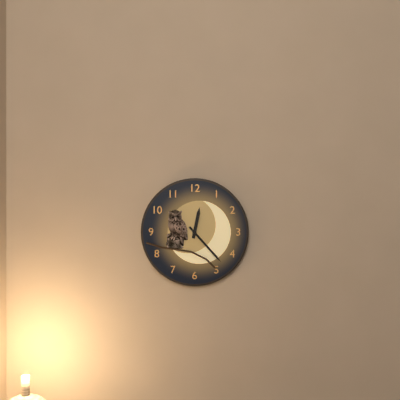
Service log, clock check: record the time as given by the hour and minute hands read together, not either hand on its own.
12:23
